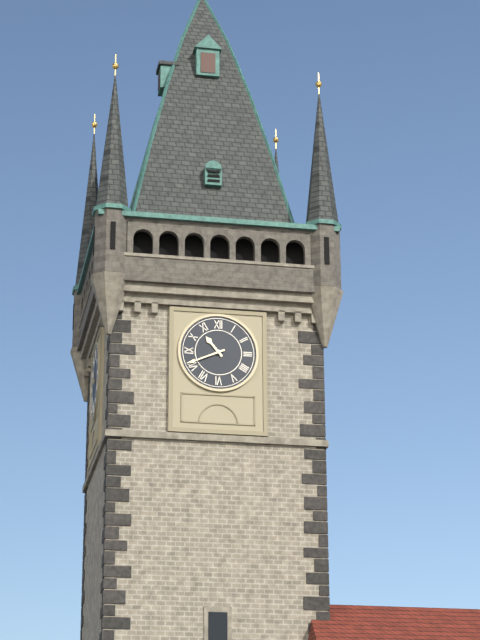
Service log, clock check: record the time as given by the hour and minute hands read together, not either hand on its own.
10:41
